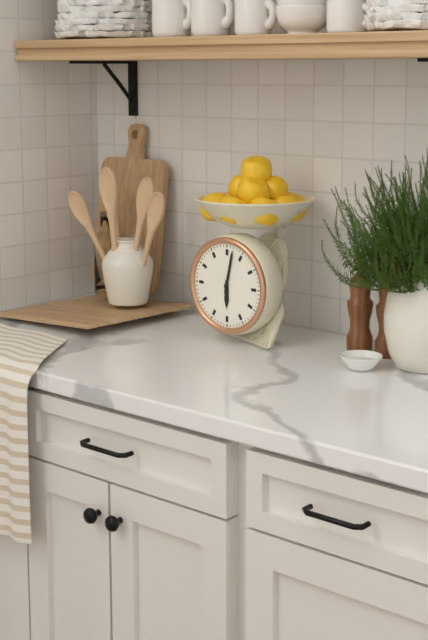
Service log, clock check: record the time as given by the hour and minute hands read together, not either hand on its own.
6:02
